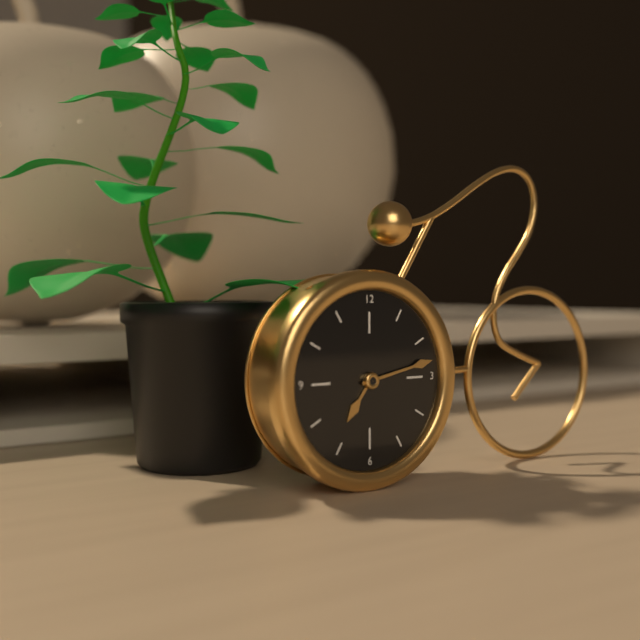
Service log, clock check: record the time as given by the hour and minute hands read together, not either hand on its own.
7:13
